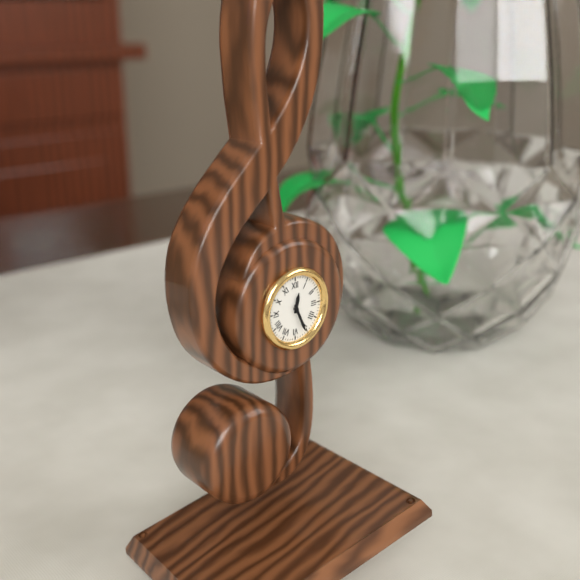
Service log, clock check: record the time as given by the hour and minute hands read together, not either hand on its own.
12:26
